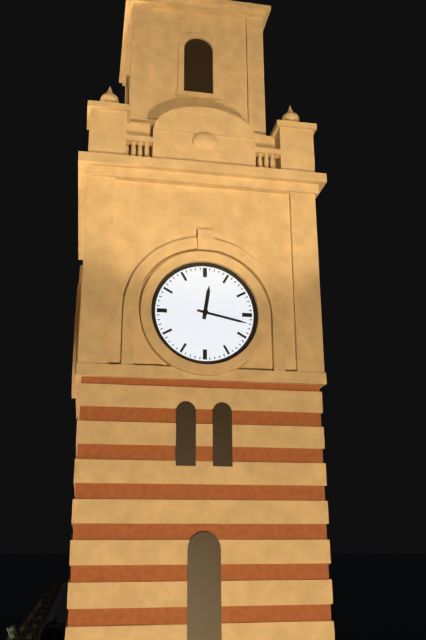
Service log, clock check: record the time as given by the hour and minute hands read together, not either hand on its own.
12:17
